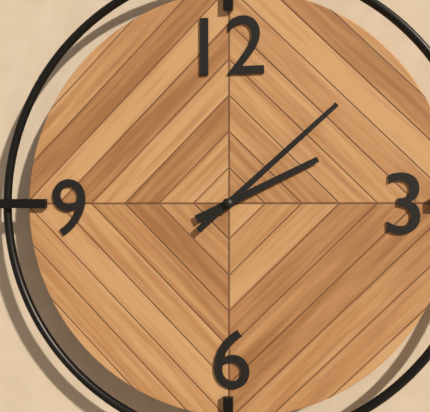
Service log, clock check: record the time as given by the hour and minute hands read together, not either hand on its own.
2:08
